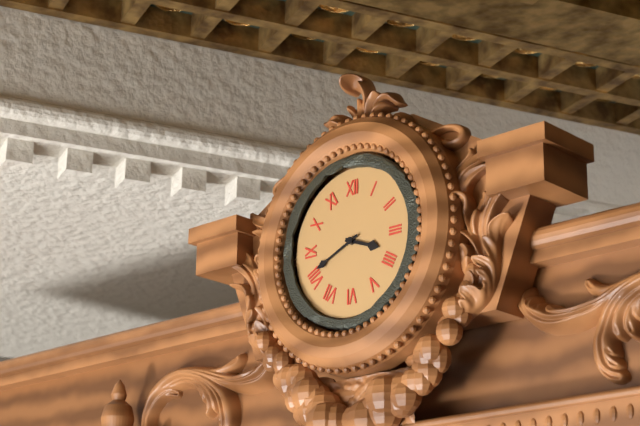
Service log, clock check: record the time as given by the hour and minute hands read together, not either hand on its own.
3:41
